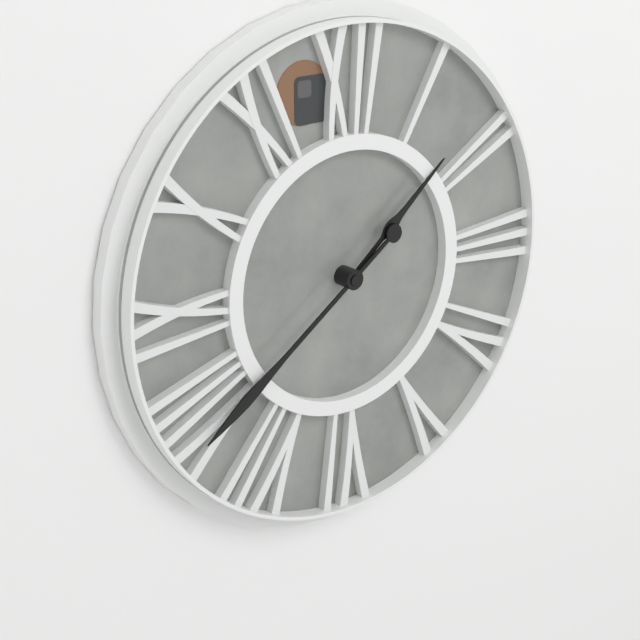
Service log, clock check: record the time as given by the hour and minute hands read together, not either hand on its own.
1:39
